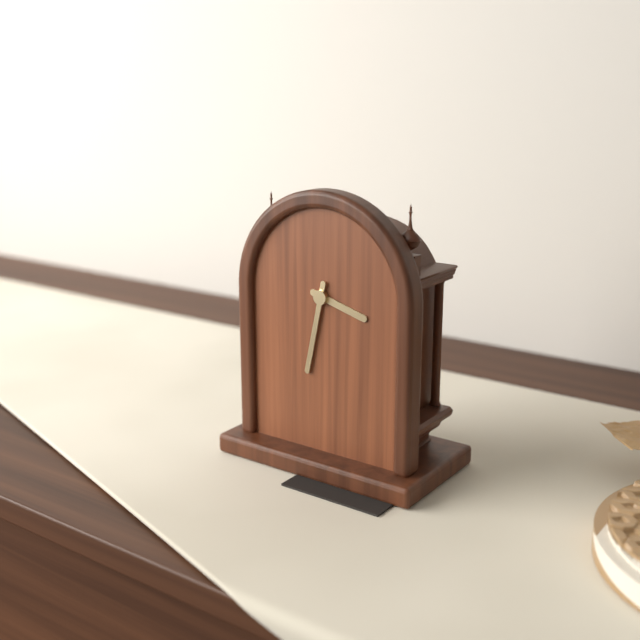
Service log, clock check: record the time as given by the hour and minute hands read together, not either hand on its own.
3:32
